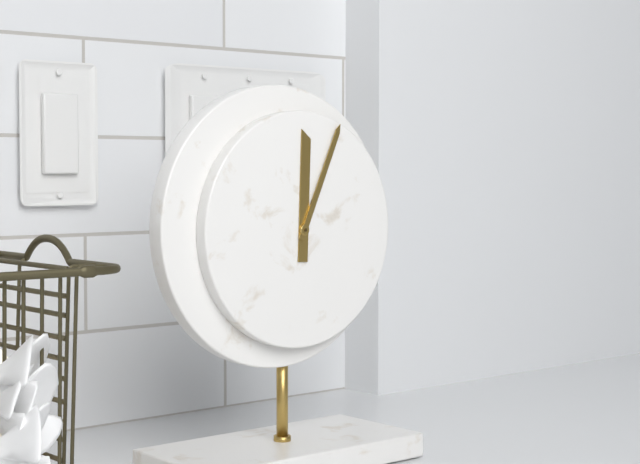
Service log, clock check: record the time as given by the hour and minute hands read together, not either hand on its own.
12:04
